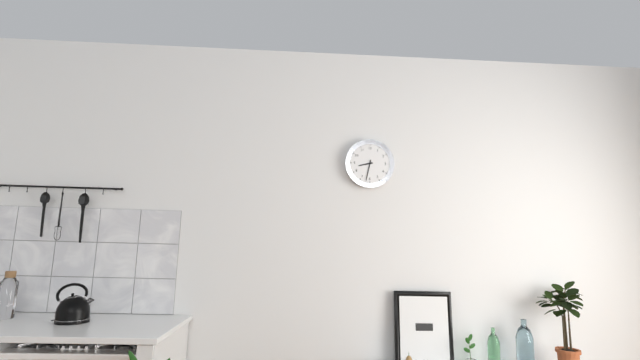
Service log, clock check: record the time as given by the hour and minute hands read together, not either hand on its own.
8:32
